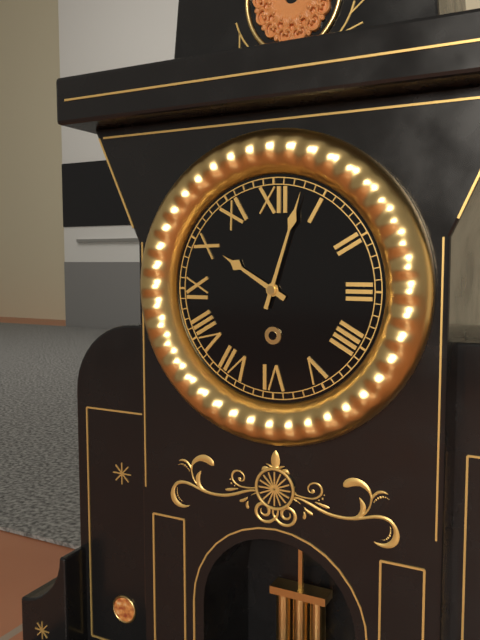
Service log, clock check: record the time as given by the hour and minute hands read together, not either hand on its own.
10:03
